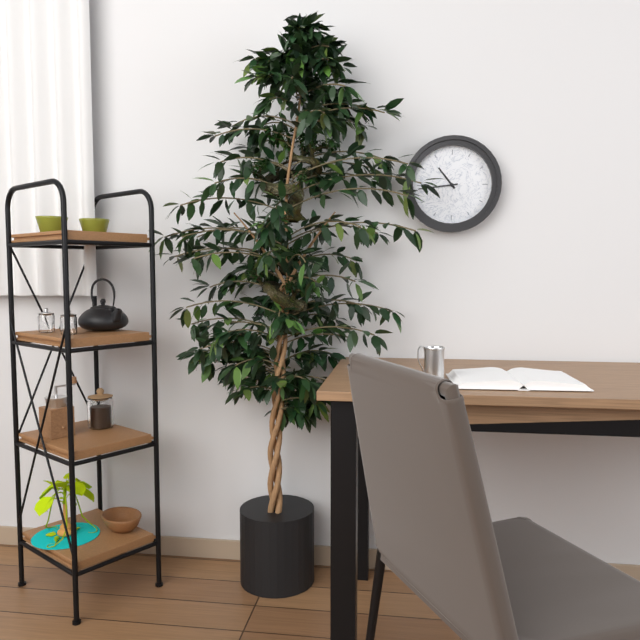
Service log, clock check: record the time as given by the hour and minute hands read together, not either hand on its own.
10:44
